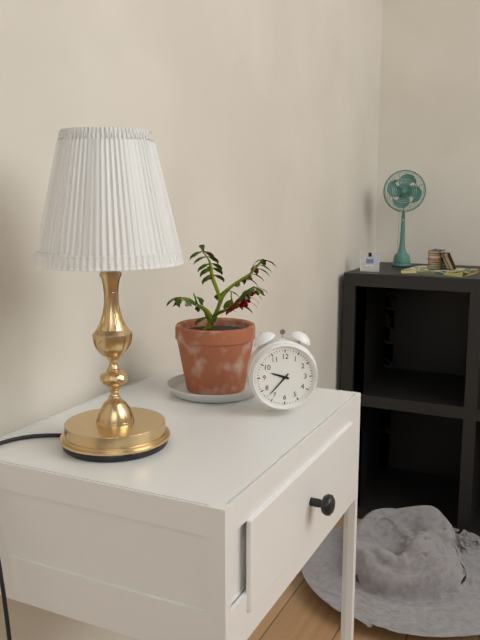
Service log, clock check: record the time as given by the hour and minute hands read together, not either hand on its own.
9:37
